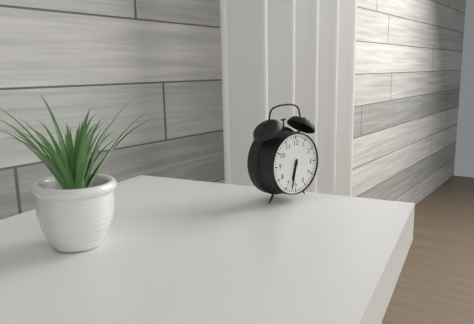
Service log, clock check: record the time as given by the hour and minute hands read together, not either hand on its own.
6:32
